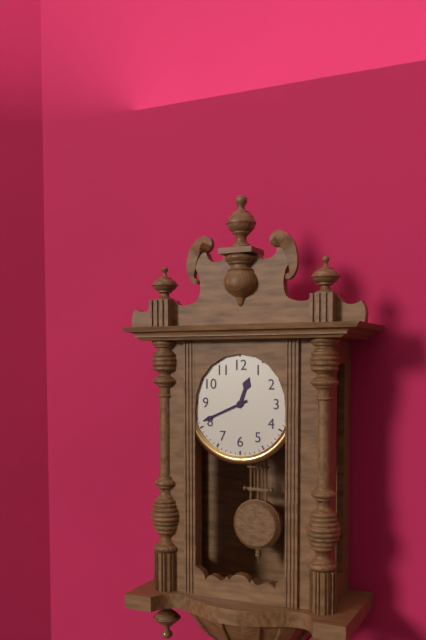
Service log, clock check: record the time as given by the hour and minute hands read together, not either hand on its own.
12:41
